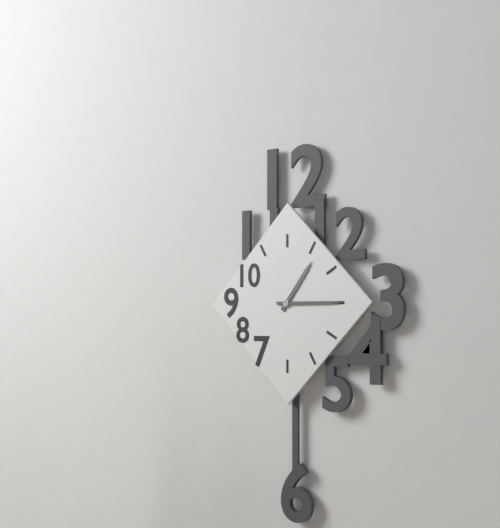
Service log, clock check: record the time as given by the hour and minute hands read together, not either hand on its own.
1:15
